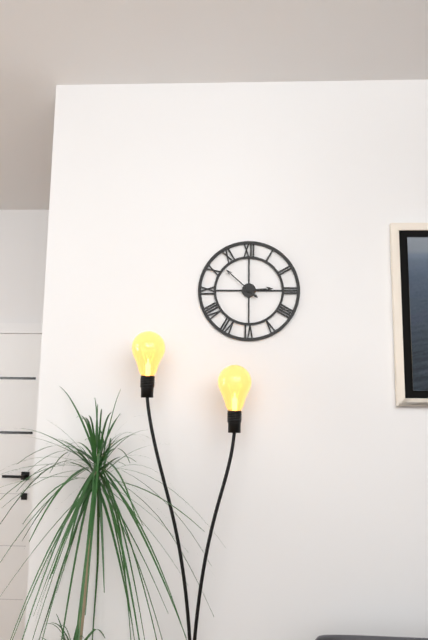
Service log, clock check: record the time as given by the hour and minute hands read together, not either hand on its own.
2:52
